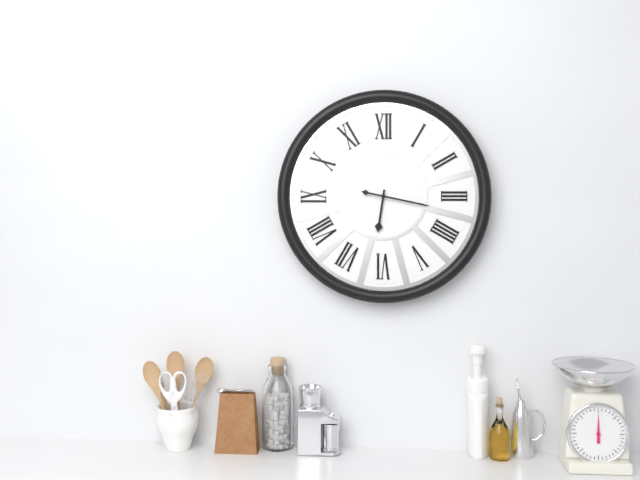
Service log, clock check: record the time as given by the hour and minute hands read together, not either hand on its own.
6:17
